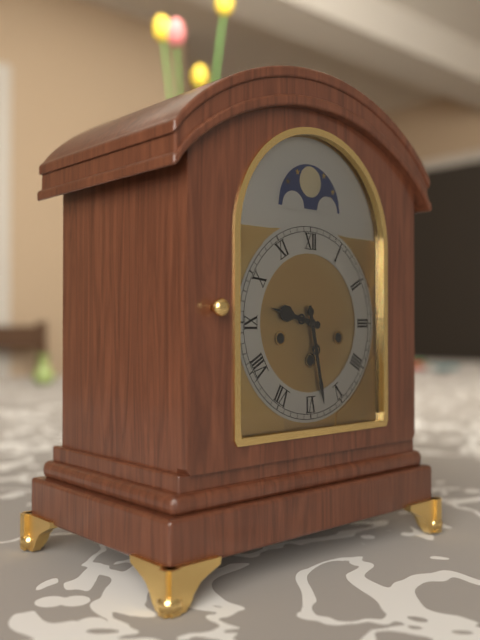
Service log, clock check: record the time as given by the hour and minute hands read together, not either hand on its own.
9:28
